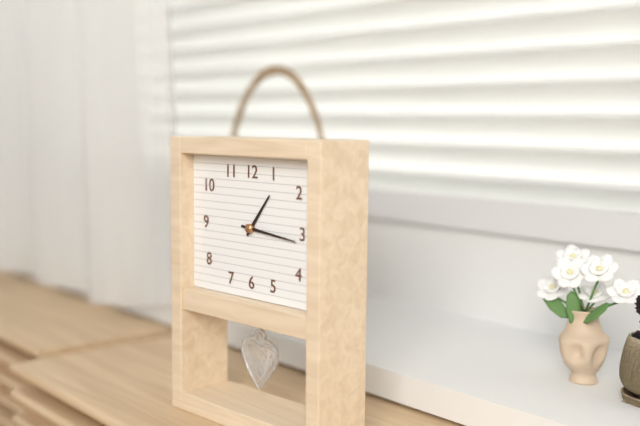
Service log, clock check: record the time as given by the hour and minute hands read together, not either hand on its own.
1:16
